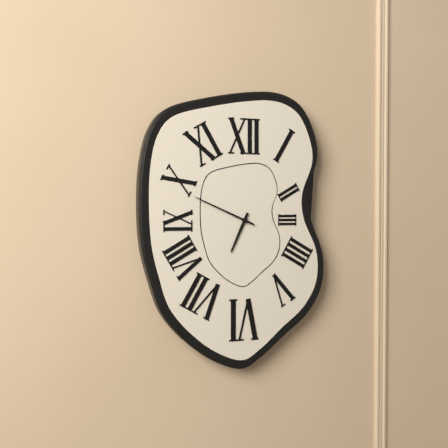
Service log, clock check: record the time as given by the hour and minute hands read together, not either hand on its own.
6:49
